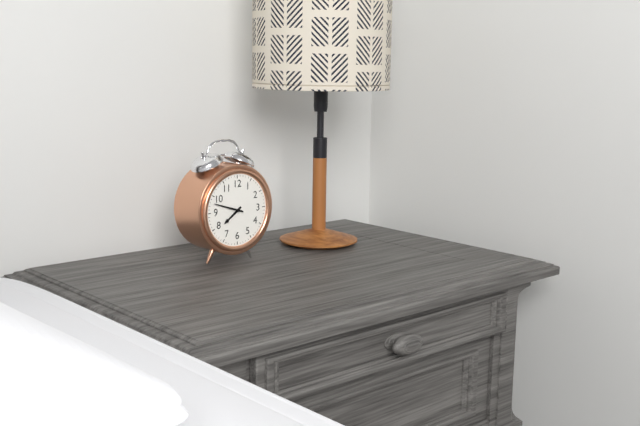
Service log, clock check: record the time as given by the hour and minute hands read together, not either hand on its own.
7:48
